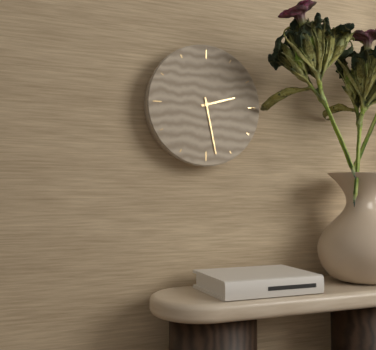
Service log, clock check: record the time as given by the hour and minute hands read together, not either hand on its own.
2:28
